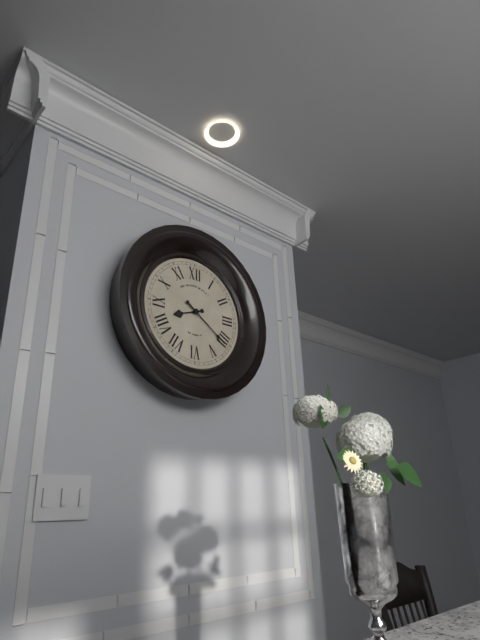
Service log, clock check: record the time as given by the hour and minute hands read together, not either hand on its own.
8:21
